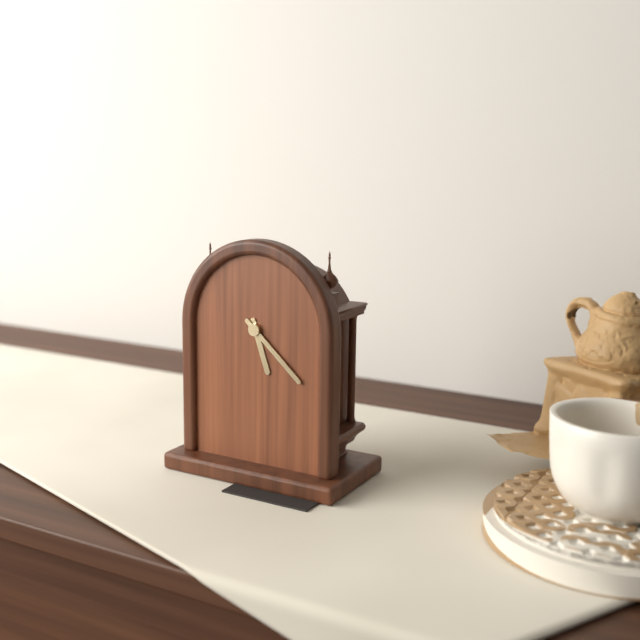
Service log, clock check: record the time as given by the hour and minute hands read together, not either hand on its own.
5:22
